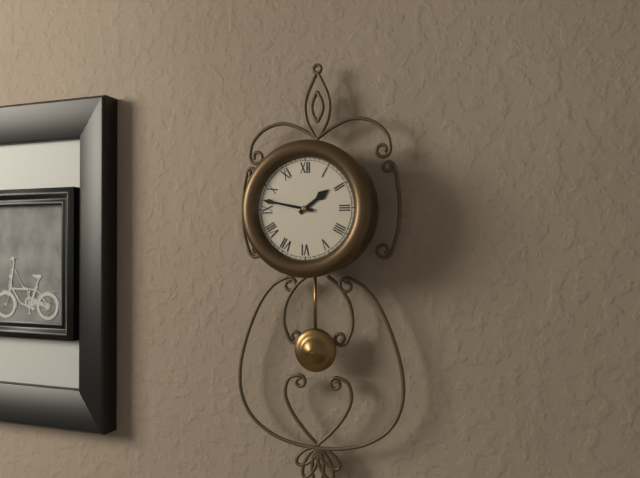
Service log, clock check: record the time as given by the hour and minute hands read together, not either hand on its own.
1:47
